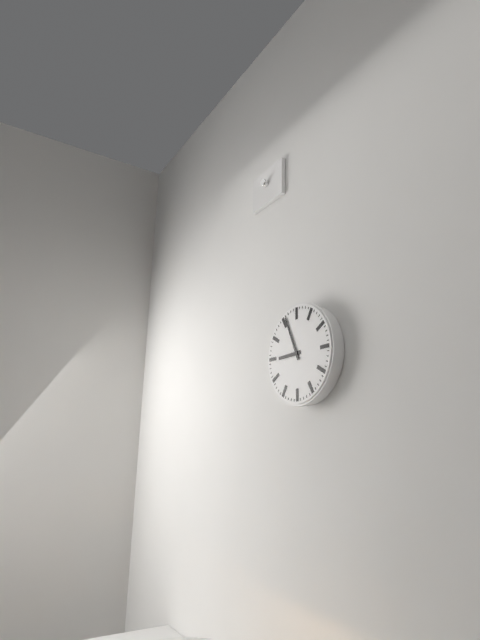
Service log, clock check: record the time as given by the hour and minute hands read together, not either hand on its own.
8:56
